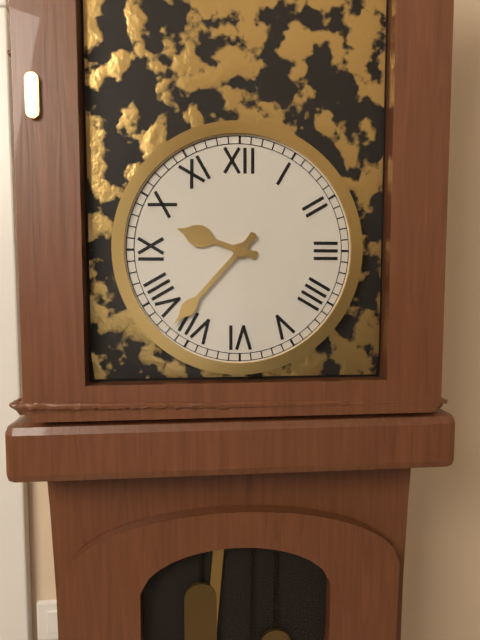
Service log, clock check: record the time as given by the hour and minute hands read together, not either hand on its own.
9:37
